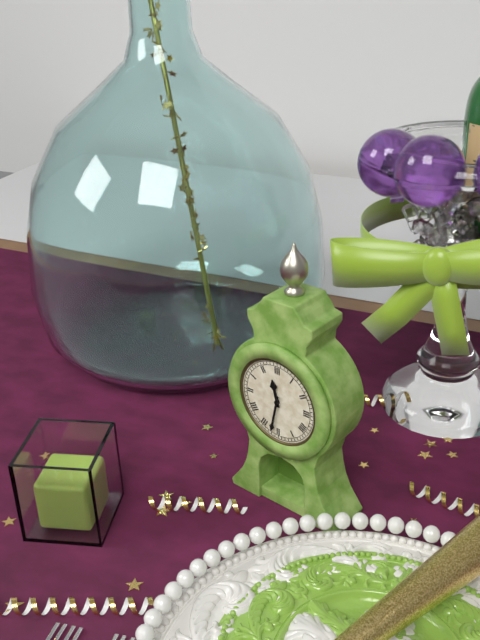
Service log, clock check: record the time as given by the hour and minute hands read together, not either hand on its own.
11:32
